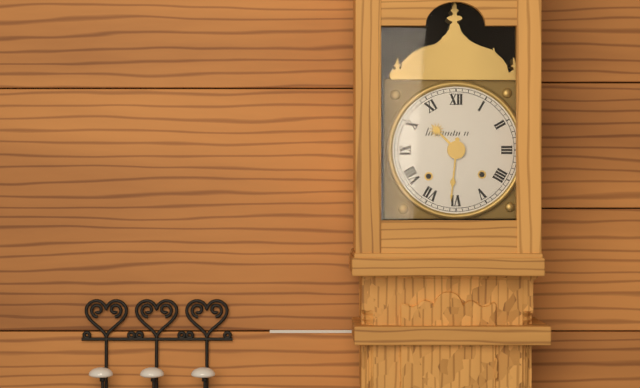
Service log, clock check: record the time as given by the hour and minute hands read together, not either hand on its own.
10:31
